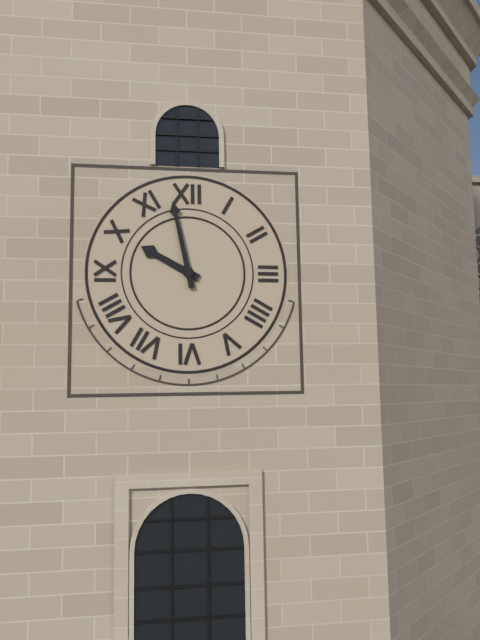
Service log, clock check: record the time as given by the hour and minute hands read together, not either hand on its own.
9:58
